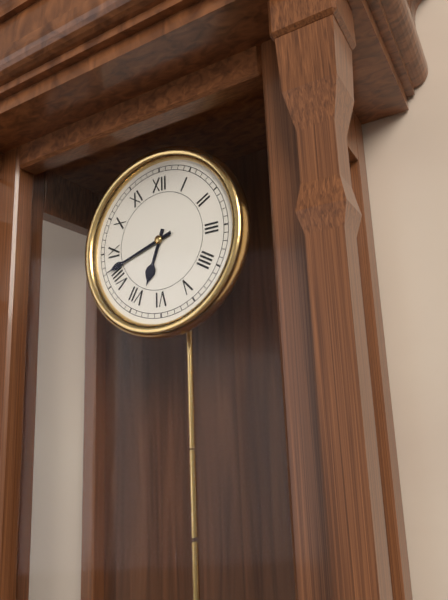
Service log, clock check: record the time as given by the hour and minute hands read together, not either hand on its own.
6:42
